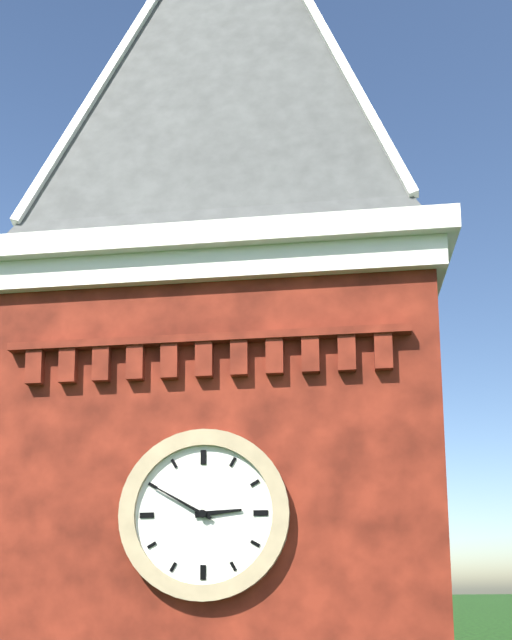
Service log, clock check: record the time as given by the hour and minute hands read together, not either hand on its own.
2:50
